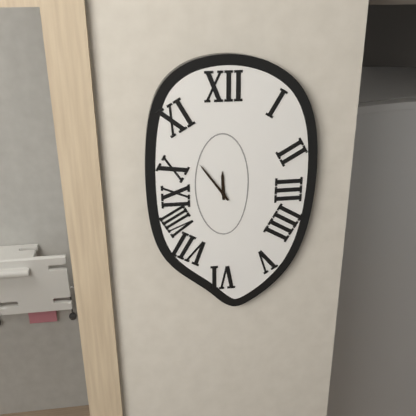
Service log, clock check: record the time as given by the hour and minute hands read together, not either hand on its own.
11:54
